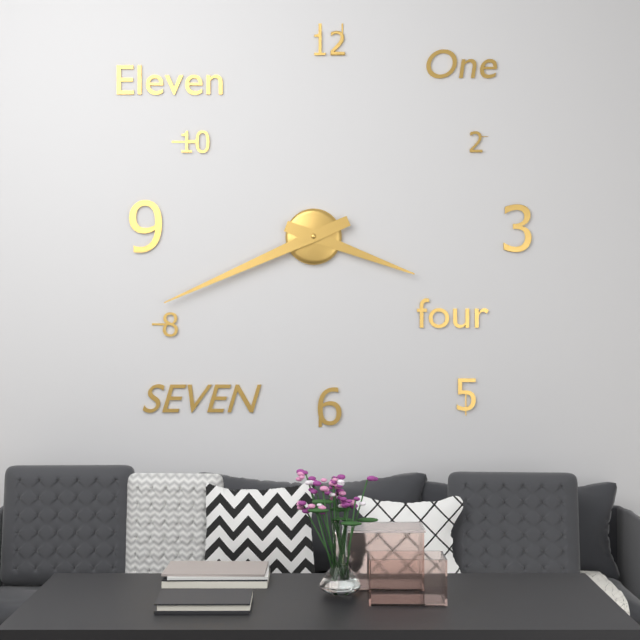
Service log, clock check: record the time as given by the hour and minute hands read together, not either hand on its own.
3:41
